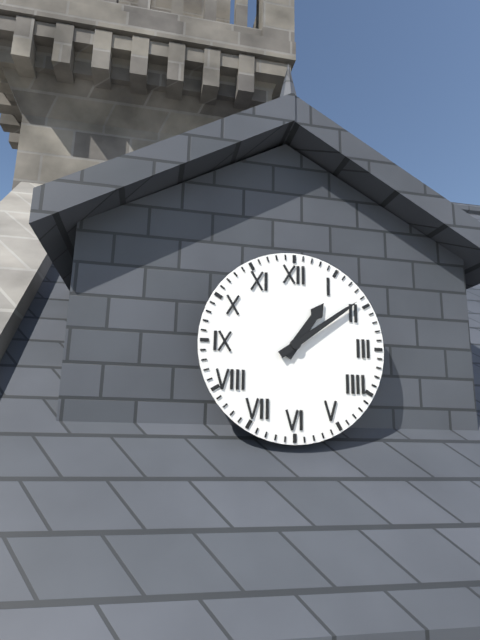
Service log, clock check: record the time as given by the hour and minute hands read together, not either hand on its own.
1:09
